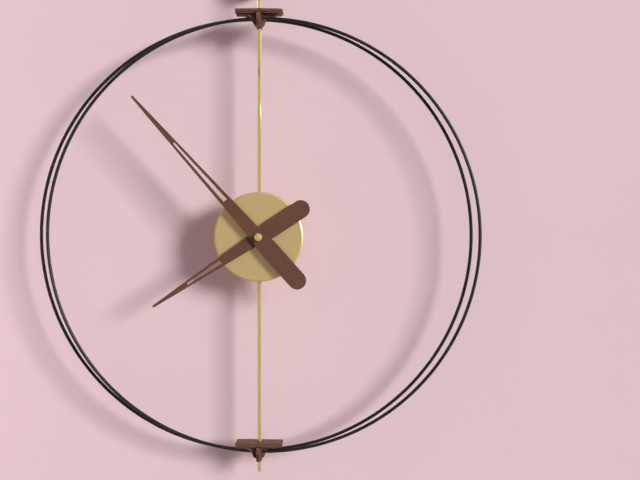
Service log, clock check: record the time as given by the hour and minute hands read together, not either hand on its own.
7:53
